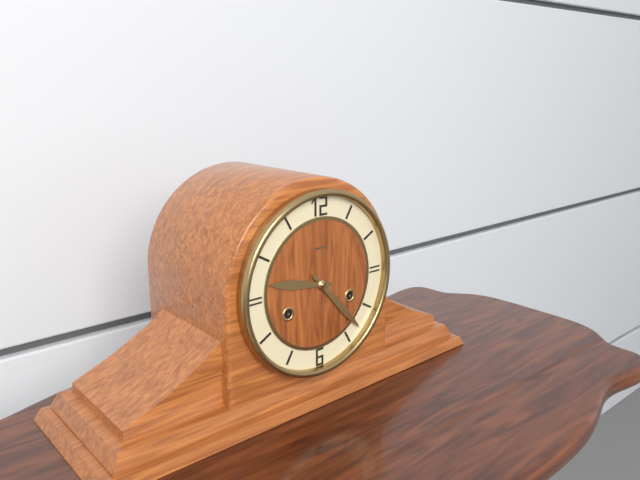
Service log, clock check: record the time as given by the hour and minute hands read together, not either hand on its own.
9:23
